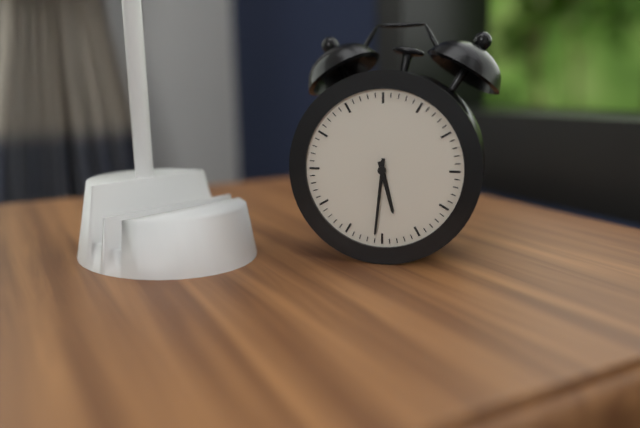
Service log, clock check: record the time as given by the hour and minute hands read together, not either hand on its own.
5:31
